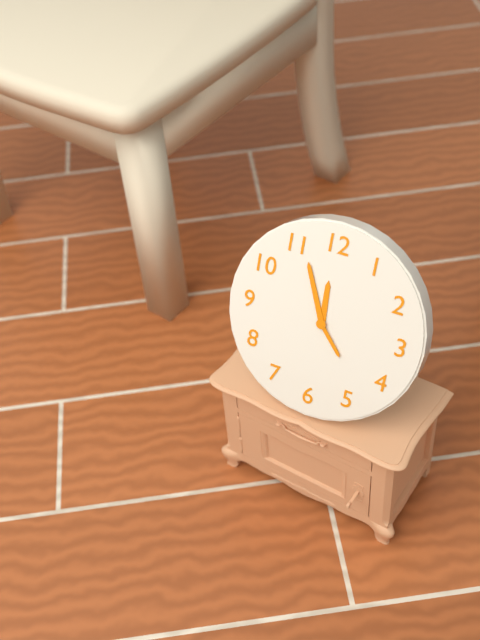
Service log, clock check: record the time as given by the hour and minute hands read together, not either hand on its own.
11:56
